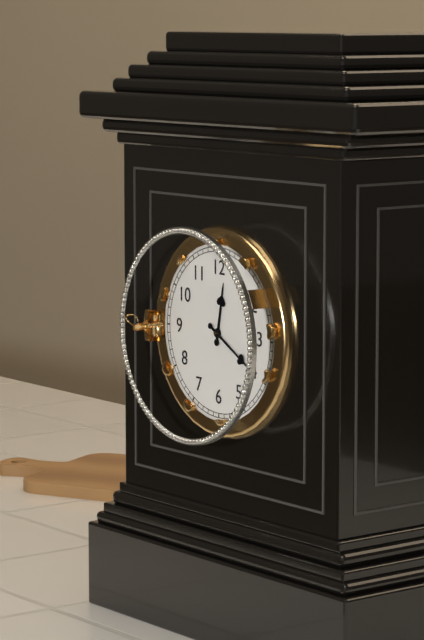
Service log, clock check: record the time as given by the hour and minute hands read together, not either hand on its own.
12:20
